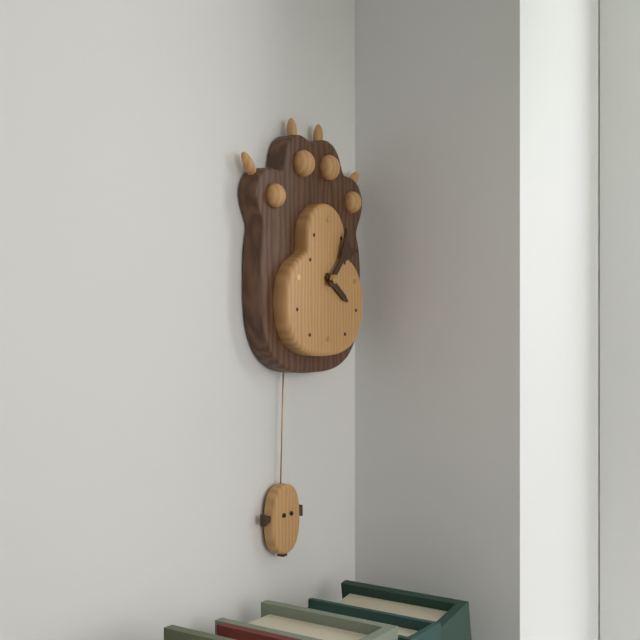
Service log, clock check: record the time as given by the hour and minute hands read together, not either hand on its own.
4:07
